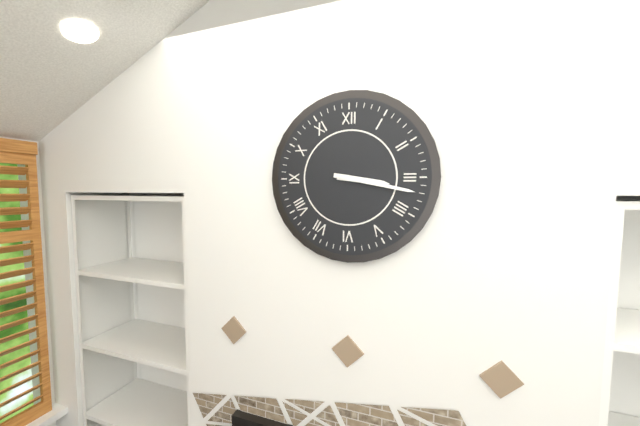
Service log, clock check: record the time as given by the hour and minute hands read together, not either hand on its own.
3:17
